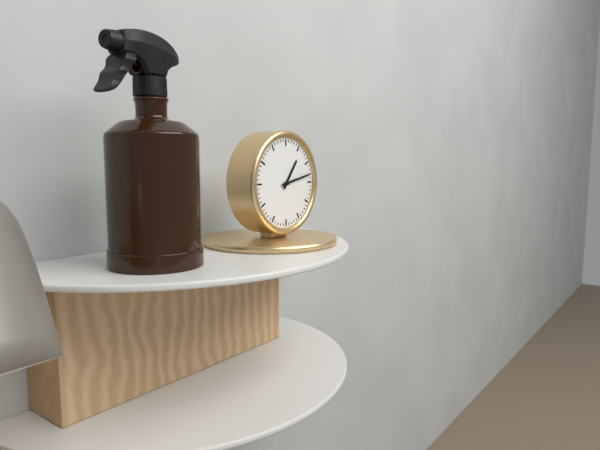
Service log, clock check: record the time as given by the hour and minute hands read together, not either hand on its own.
1:13
